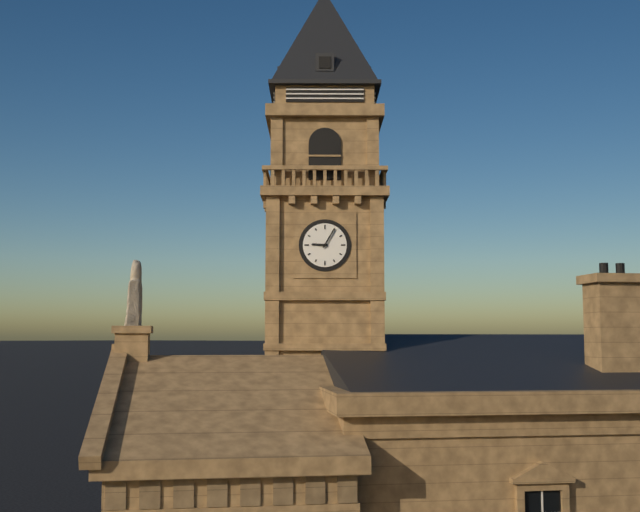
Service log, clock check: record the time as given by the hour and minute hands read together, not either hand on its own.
9:05
